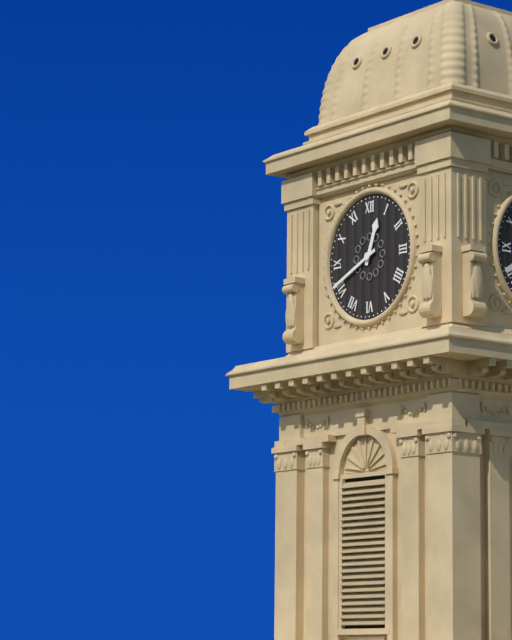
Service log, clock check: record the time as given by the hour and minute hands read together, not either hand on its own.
12:41
